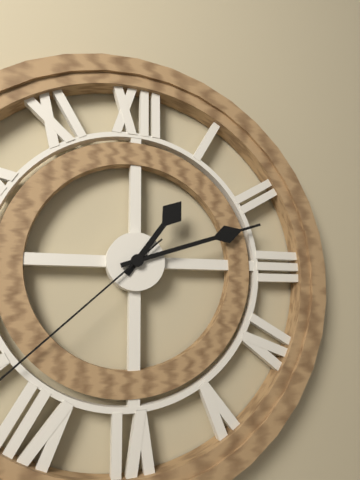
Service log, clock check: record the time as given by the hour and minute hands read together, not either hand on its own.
1:12
